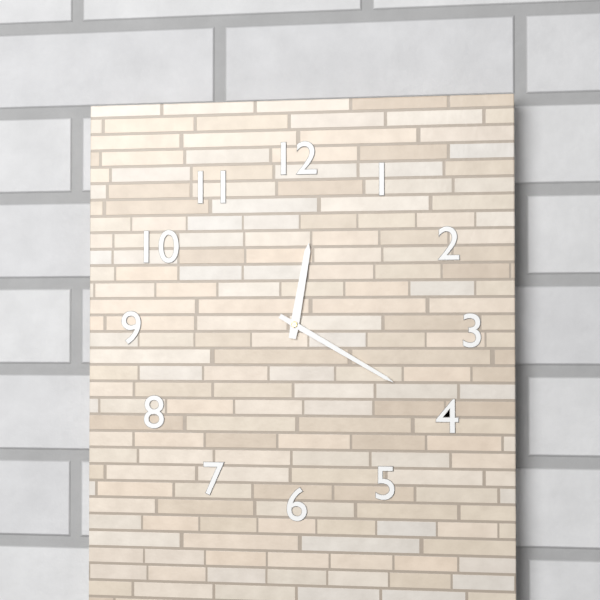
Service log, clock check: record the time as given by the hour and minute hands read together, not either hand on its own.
12:20
